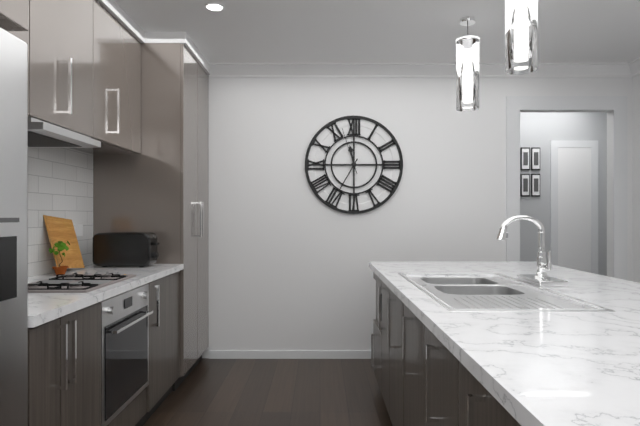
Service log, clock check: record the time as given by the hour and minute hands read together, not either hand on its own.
11:35
